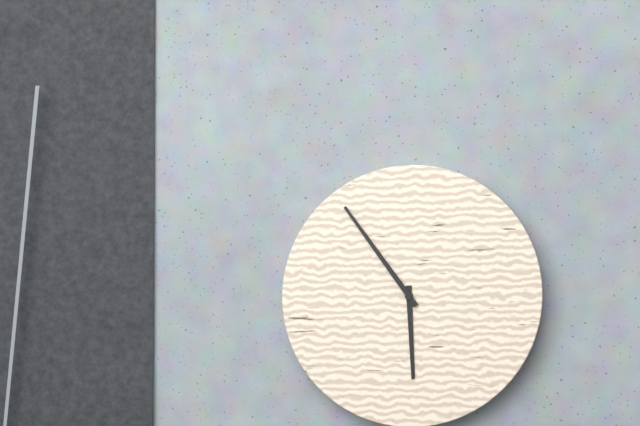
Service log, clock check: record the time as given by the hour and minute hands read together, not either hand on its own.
5:54
